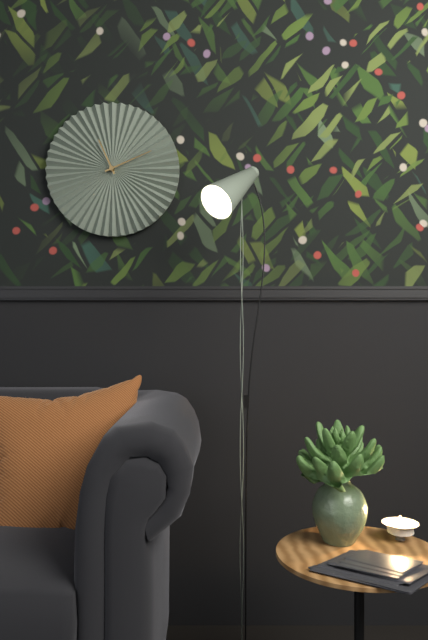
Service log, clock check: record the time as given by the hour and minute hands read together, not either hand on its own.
11:11
